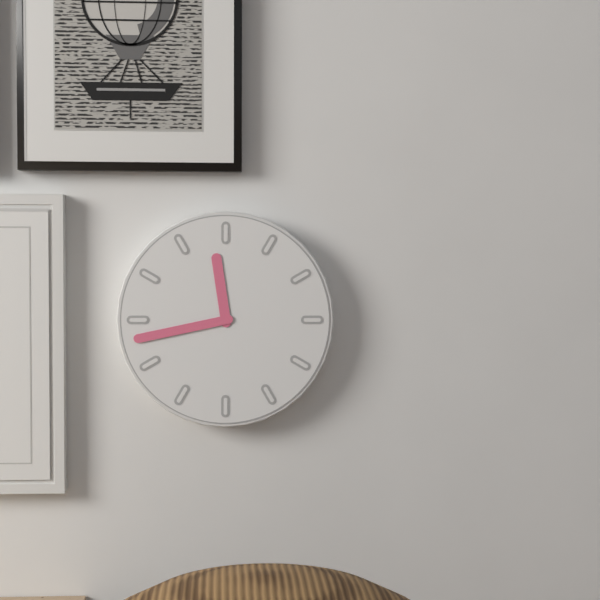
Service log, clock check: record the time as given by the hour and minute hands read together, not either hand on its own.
11:43
